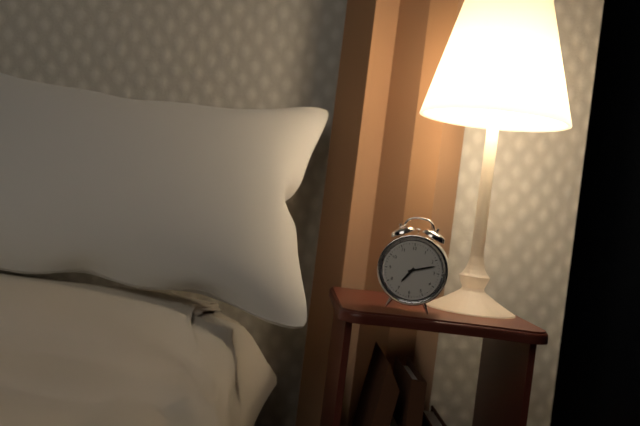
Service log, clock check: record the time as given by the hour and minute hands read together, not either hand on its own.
7:12
